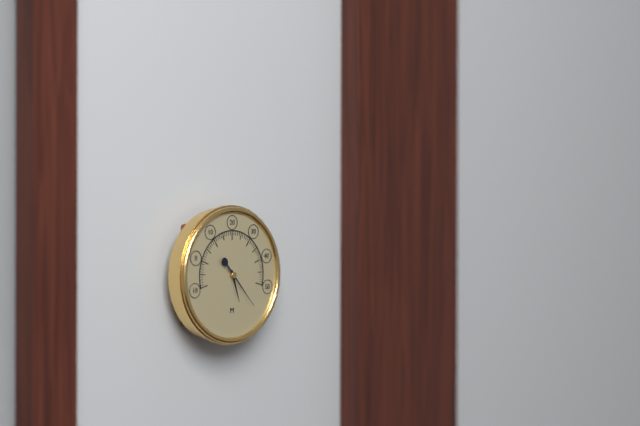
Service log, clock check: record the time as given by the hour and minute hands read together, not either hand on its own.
5:23
